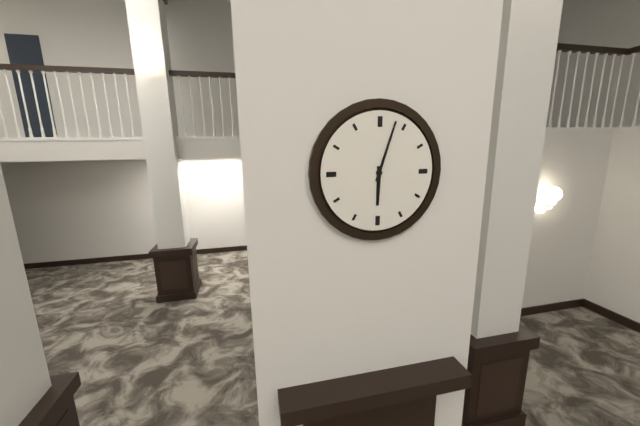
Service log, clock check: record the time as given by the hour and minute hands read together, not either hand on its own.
6:03
